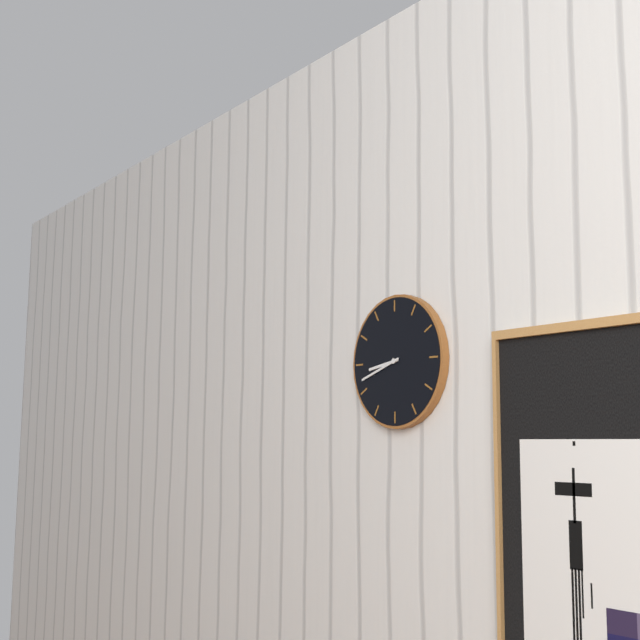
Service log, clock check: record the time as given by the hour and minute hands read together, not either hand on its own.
8:42
